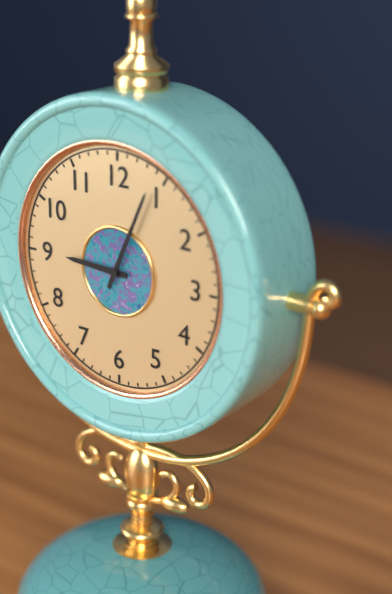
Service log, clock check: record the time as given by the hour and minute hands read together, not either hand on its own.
9:04
